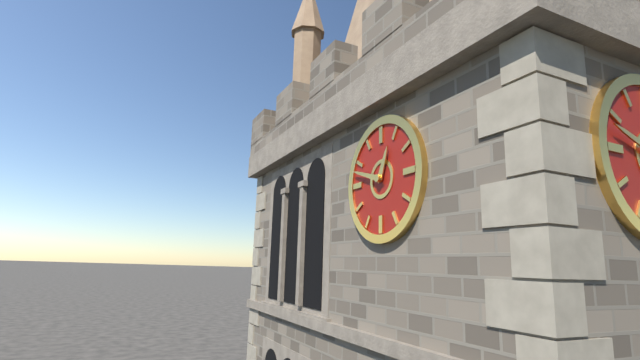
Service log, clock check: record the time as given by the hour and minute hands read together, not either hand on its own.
12:48
